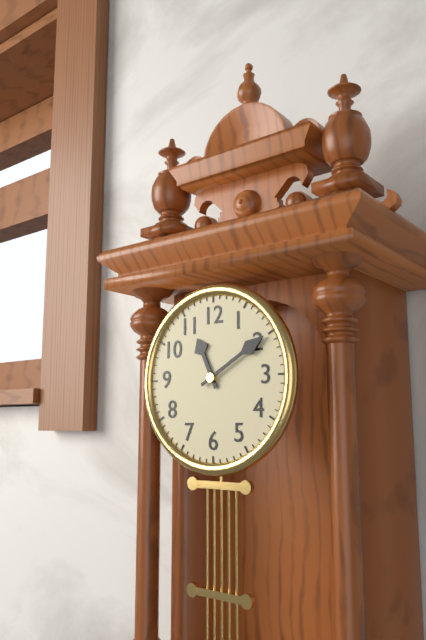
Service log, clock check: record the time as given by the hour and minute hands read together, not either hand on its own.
11:10
